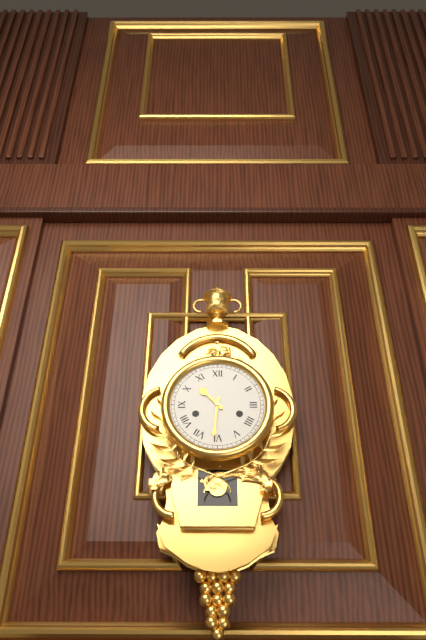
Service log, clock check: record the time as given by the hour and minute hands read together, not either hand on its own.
10:31
